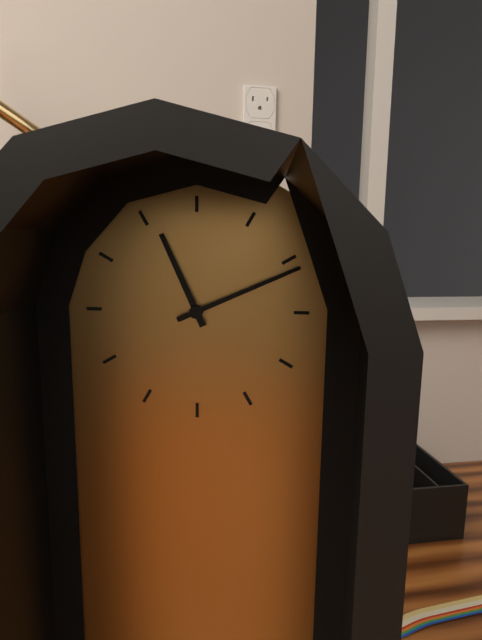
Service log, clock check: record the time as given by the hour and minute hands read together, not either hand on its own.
11:11
